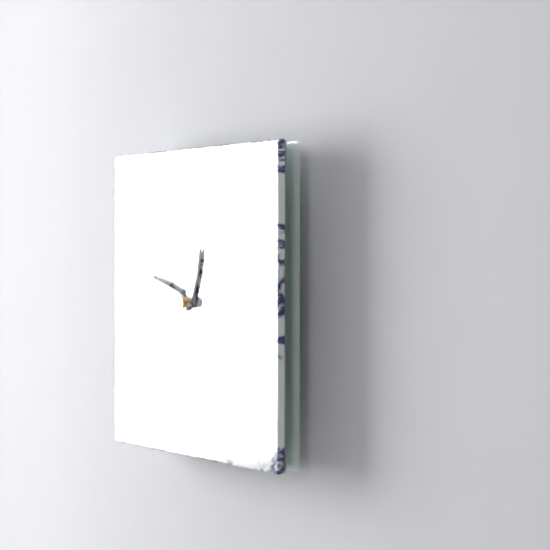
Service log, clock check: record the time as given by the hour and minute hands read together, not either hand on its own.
12:48
